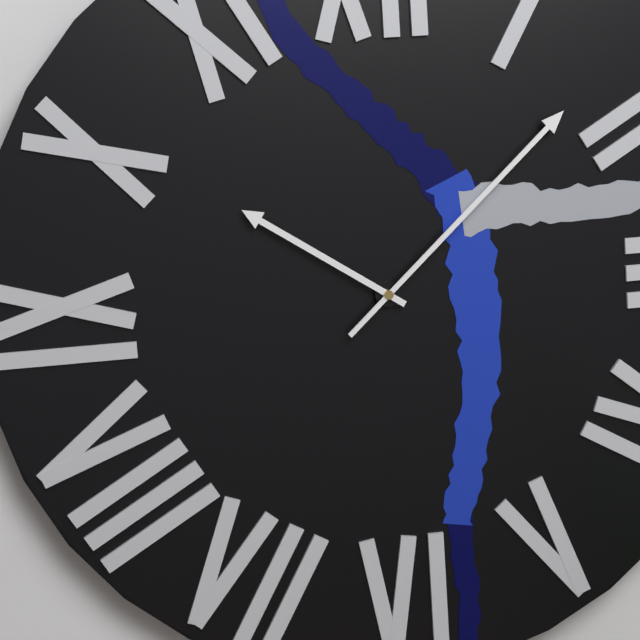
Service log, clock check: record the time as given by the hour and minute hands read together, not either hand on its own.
10:08
